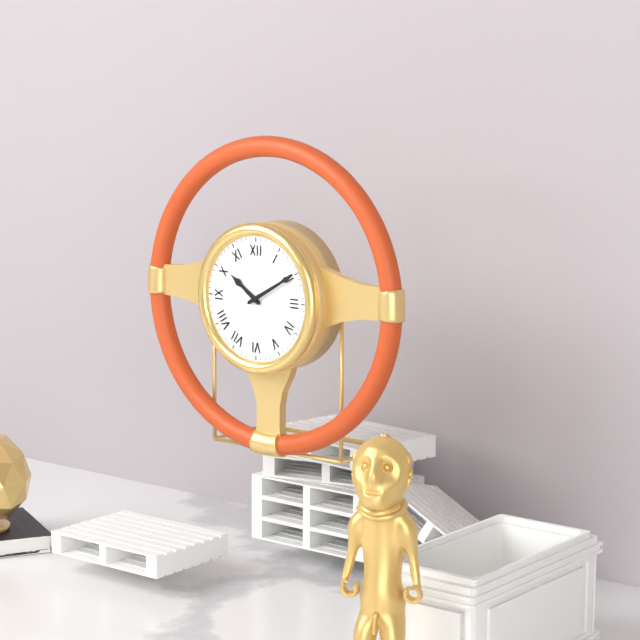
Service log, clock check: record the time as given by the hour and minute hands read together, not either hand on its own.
10:10
